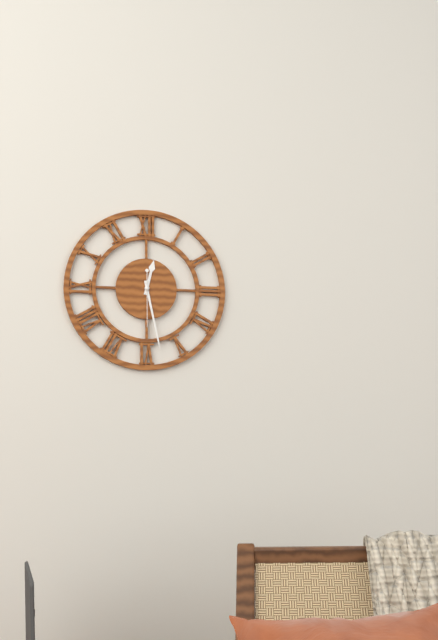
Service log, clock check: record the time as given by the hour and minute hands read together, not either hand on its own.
12:28
